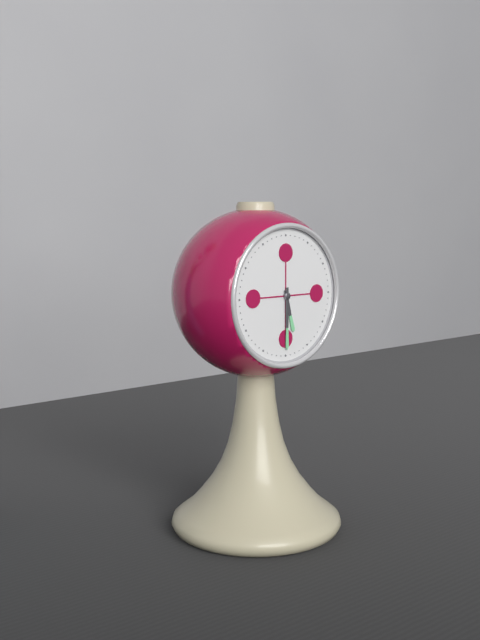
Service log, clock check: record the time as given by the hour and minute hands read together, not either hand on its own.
5:30
